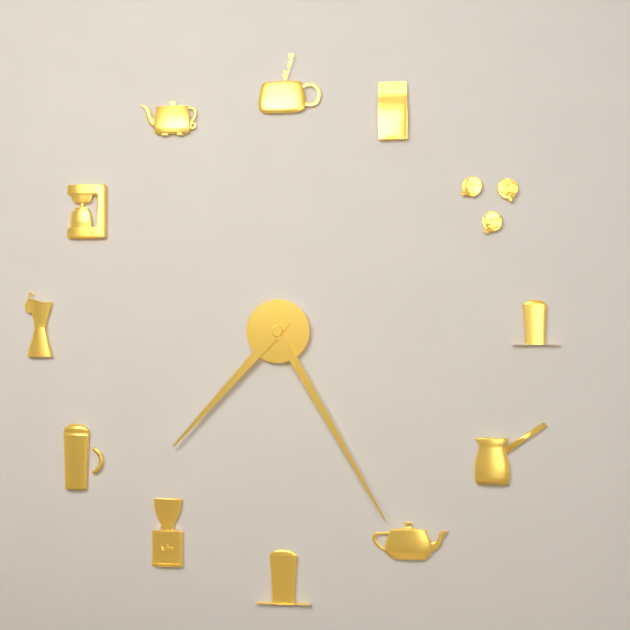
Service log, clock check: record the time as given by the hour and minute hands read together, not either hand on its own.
7:25
